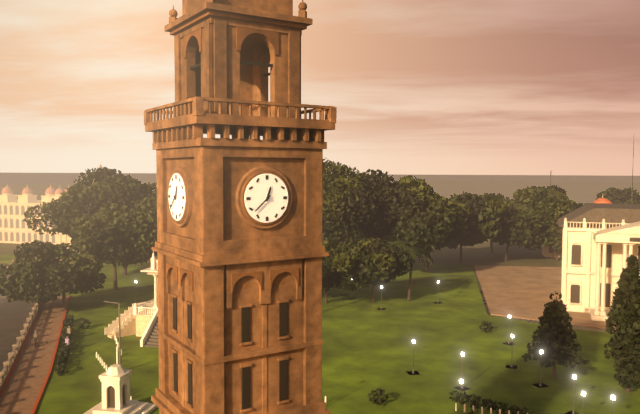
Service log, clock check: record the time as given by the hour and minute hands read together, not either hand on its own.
12:38
